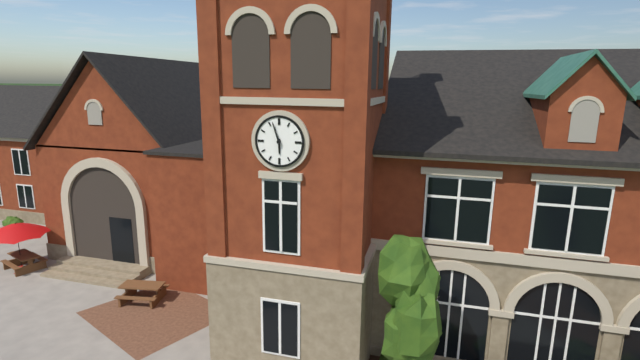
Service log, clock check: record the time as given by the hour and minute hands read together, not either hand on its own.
5:57
